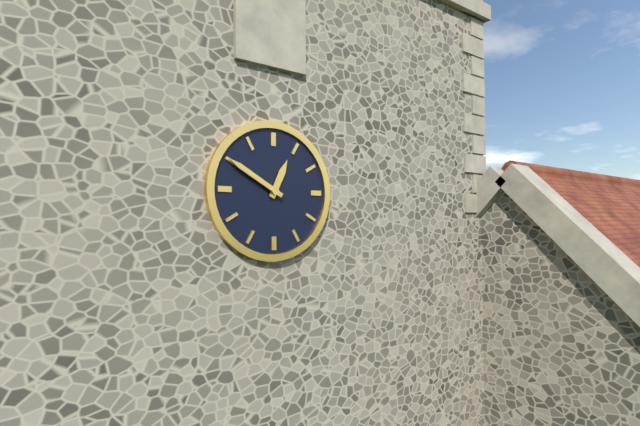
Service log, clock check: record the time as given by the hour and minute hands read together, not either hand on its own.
12:50
